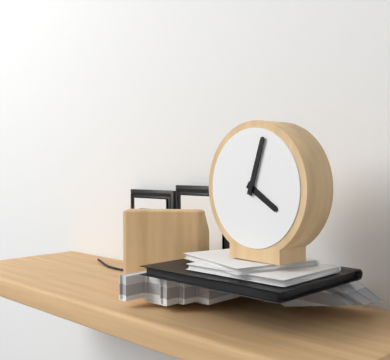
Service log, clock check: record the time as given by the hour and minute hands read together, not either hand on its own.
4:03
